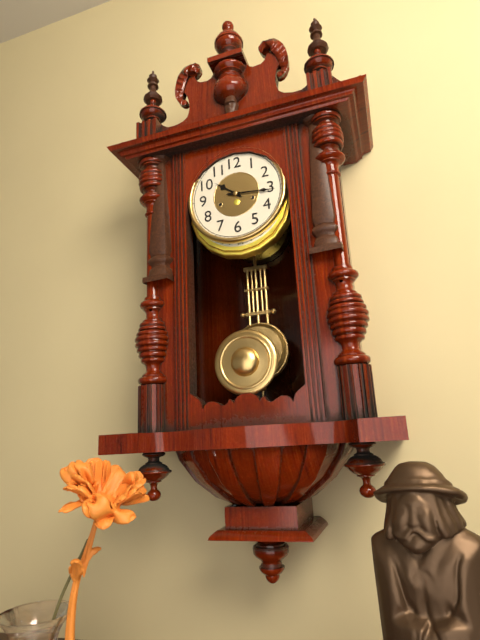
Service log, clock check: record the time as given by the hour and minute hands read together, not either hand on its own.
10:16
